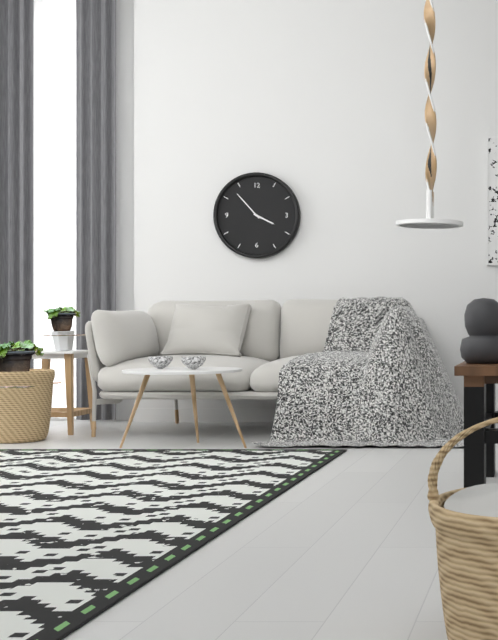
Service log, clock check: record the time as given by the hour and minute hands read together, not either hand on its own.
3:53
